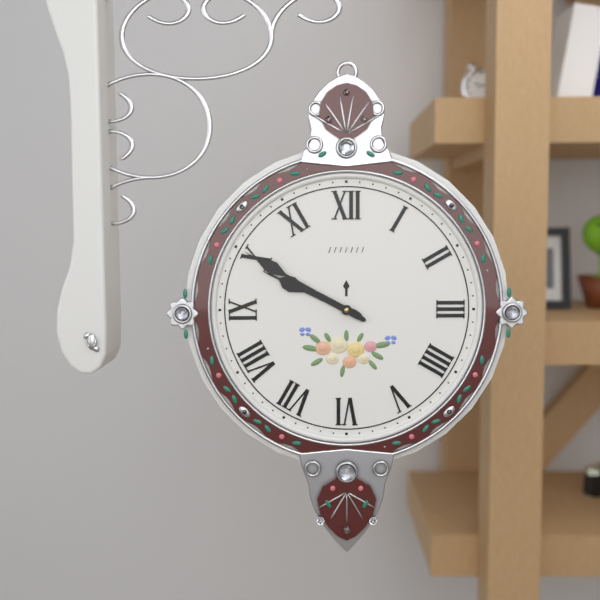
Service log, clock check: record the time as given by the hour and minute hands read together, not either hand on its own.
9:50
